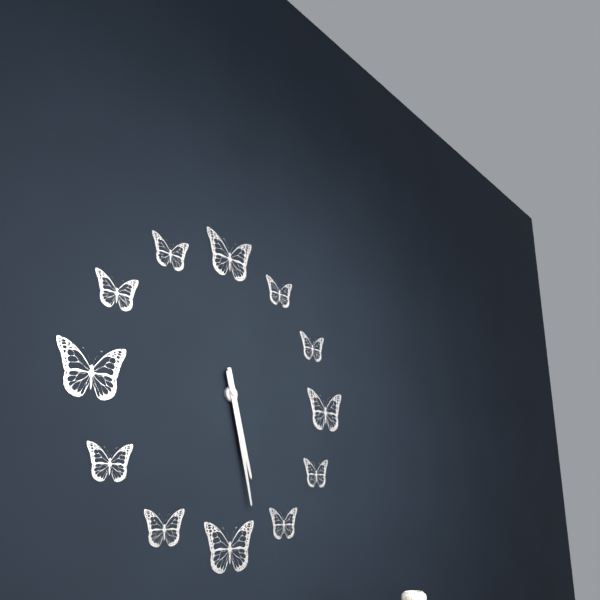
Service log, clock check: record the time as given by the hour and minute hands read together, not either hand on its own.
5:28
